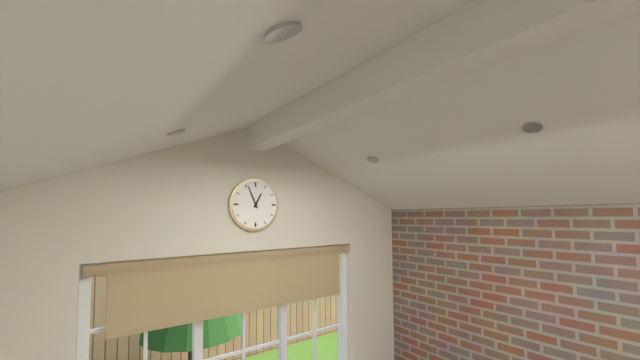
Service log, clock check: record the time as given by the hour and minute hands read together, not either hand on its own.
12:56
